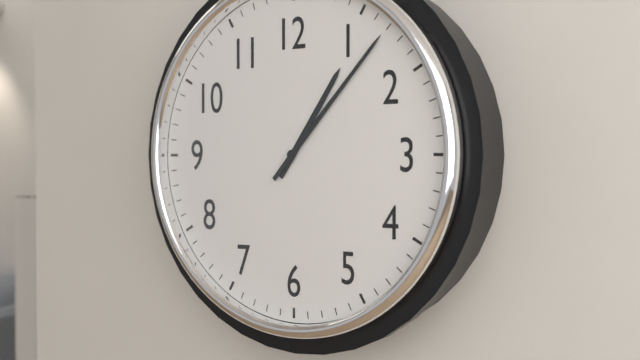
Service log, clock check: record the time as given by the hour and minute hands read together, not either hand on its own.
1:07
